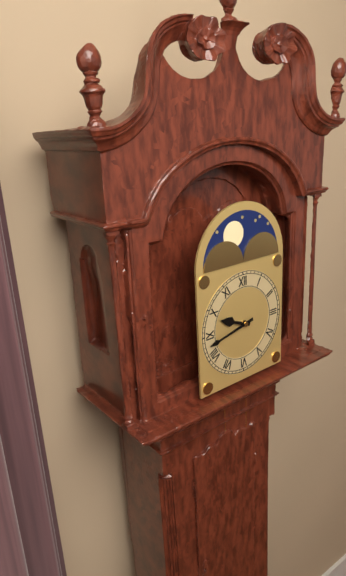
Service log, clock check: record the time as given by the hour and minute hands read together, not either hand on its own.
9:43
